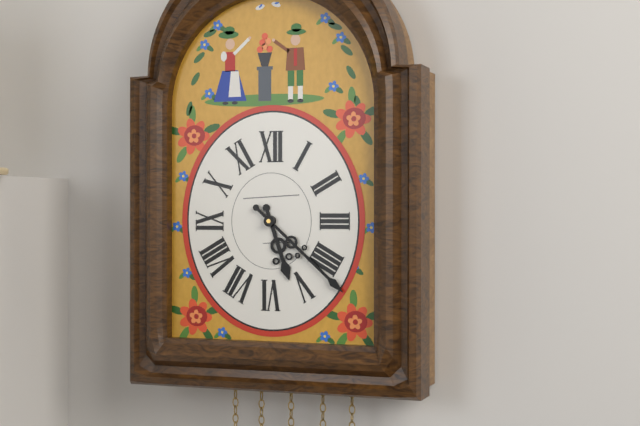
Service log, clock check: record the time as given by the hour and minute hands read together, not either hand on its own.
5:22
